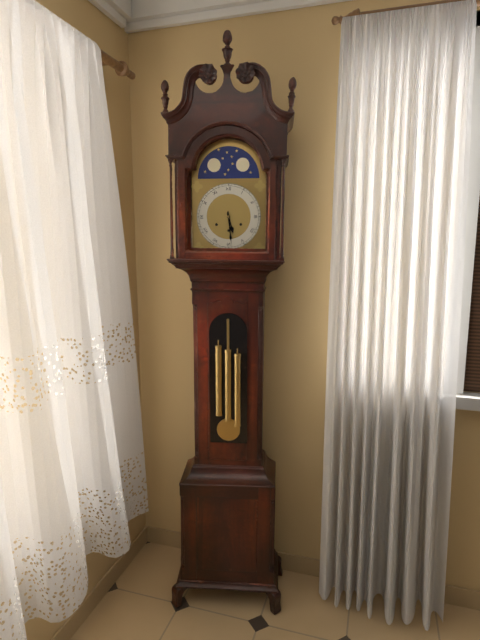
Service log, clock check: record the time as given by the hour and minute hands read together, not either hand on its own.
5:29
